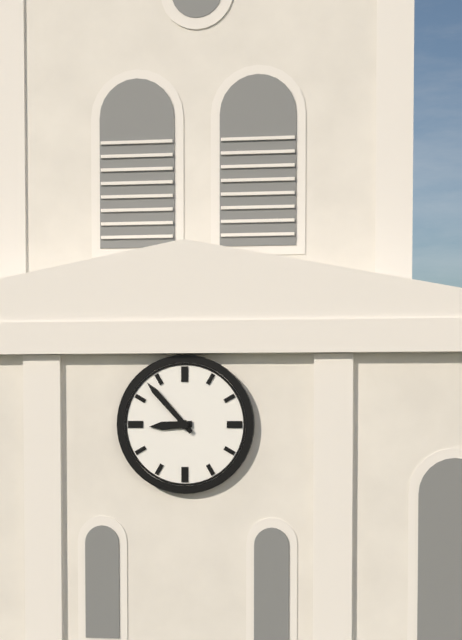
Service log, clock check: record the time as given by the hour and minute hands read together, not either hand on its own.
8:53
